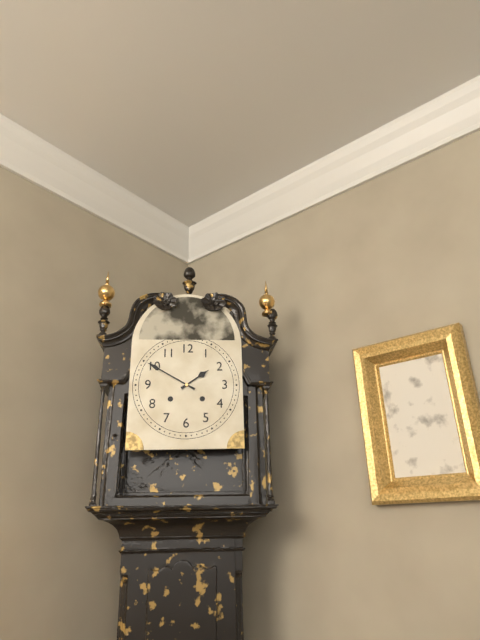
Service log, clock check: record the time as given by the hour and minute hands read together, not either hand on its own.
1:50
